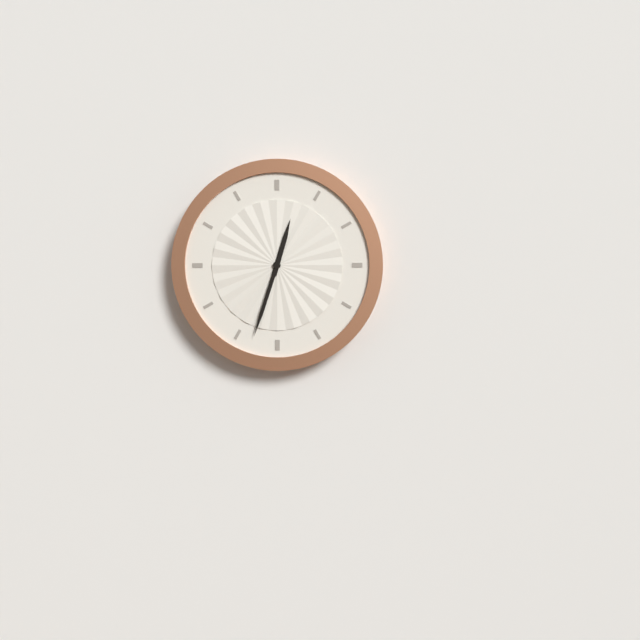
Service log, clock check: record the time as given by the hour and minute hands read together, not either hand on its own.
12:33
